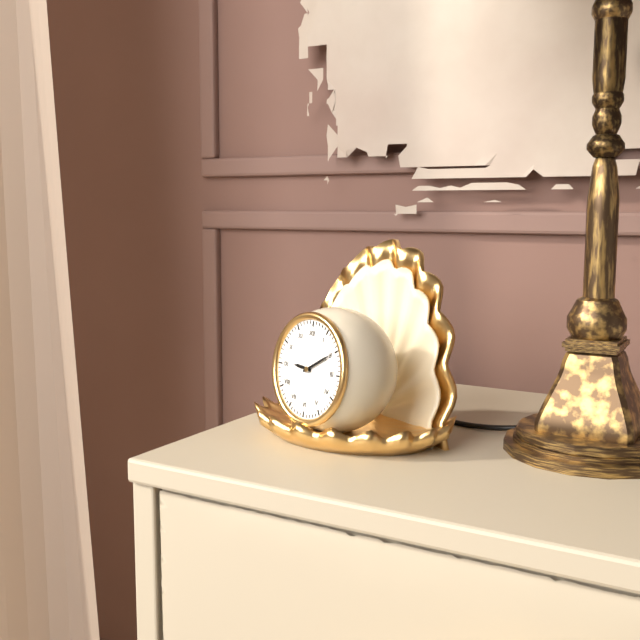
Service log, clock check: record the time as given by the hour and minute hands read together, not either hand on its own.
9:10
